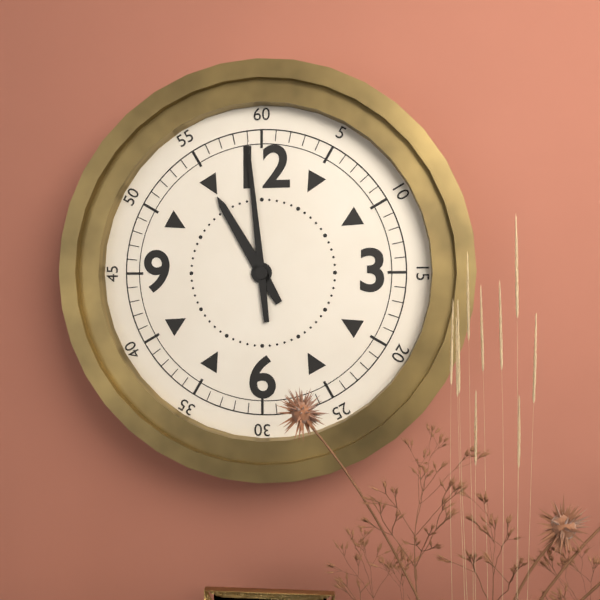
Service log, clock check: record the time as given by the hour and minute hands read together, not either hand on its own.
10:59
